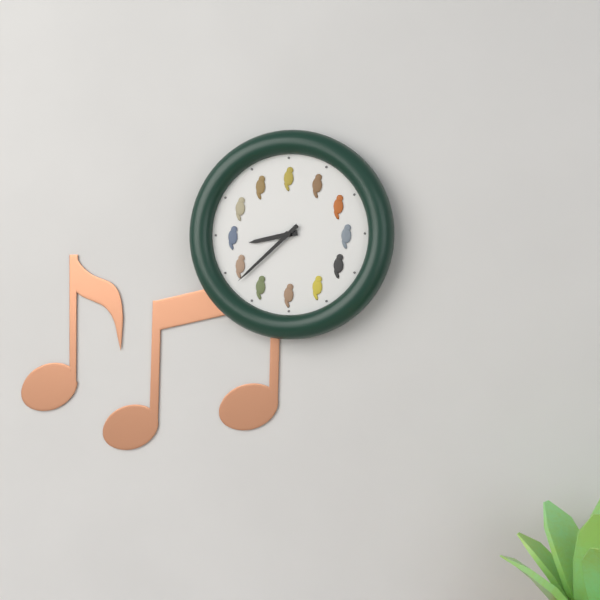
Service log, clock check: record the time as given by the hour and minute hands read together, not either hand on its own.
8:38
